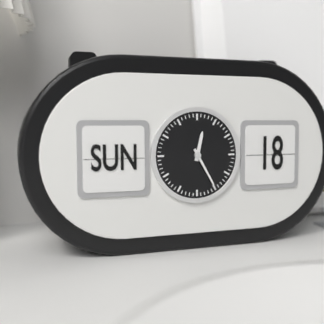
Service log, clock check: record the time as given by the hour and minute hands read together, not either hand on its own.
12:25
